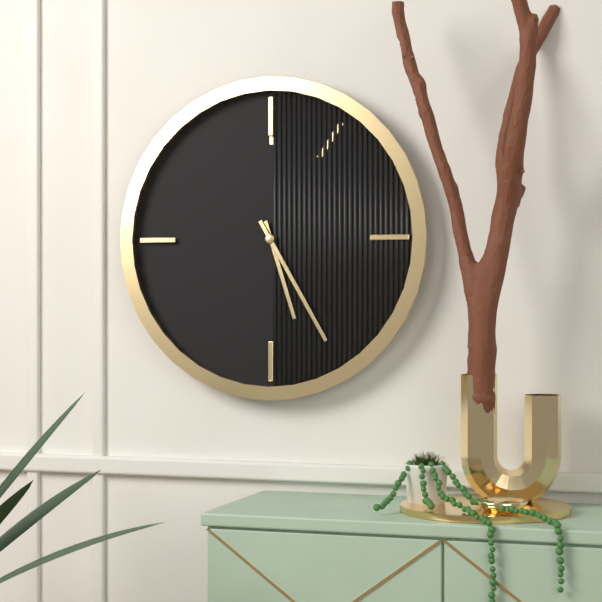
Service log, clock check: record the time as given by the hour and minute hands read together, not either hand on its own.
5:25
